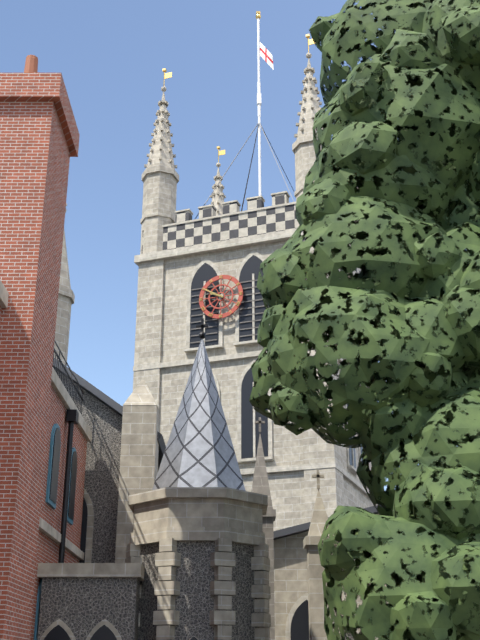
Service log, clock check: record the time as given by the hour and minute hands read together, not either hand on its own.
9:50
